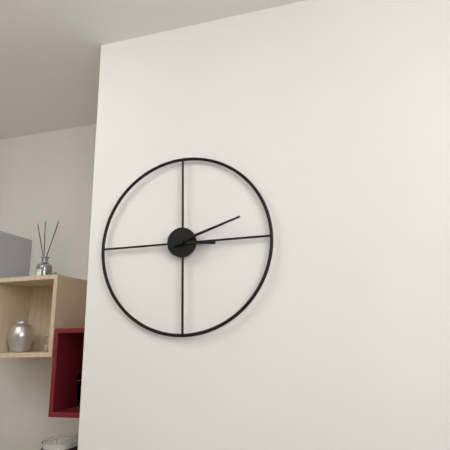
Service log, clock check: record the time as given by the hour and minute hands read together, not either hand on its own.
3:12
